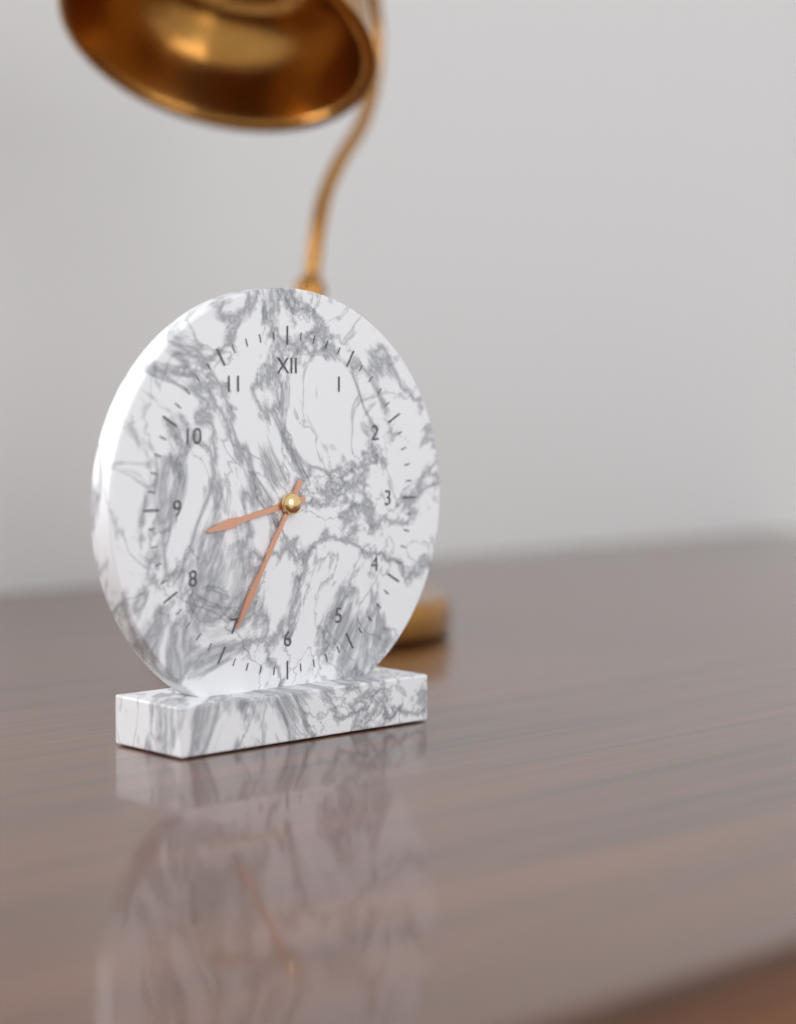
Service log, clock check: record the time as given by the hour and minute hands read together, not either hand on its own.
8:35
